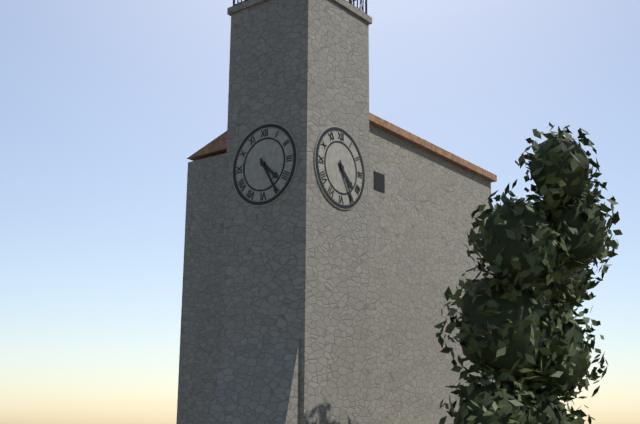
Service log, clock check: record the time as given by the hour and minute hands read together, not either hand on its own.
4:25
